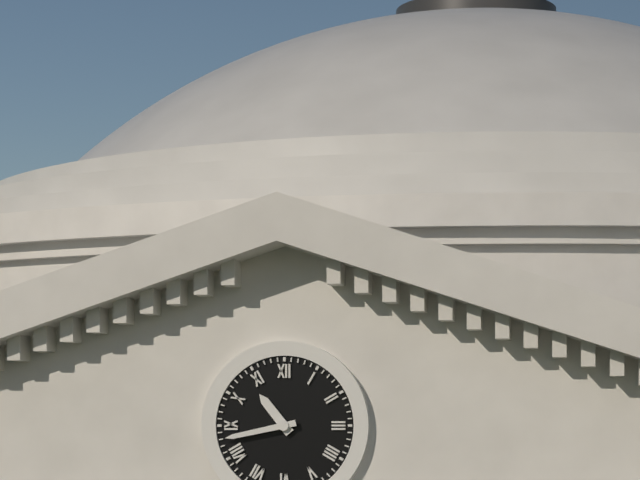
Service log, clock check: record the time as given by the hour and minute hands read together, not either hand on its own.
10:43
